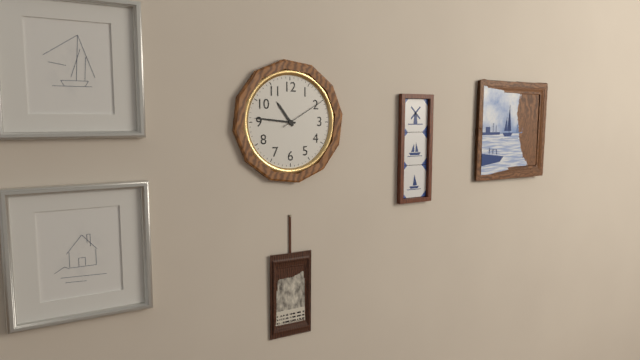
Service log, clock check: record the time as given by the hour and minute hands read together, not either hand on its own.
10:46
